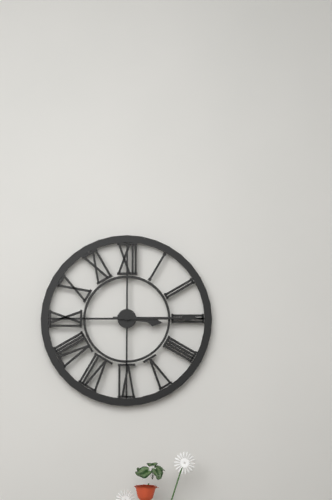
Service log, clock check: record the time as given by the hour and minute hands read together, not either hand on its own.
3:15
